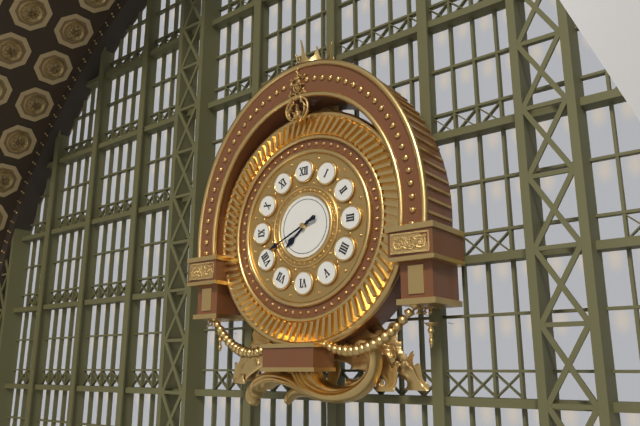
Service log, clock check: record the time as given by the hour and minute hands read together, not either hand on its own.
7:41
